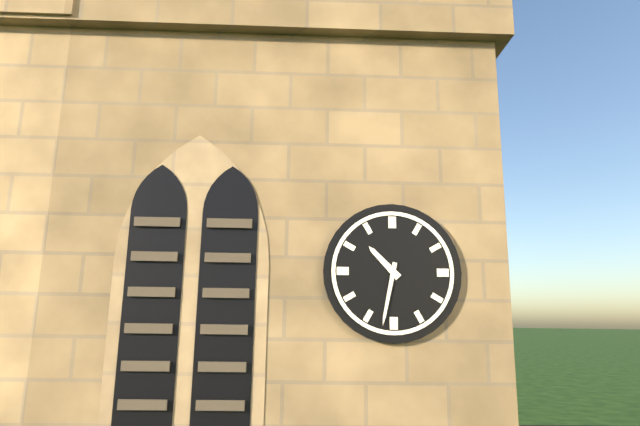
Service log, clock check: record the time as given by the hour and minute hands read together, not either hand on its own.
10:32
